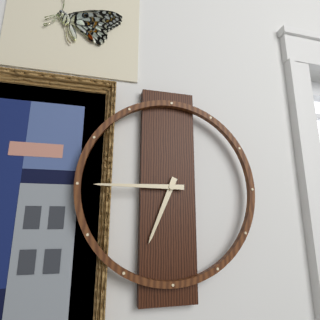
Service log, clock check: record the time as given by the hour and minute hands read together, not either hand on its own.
6:45
